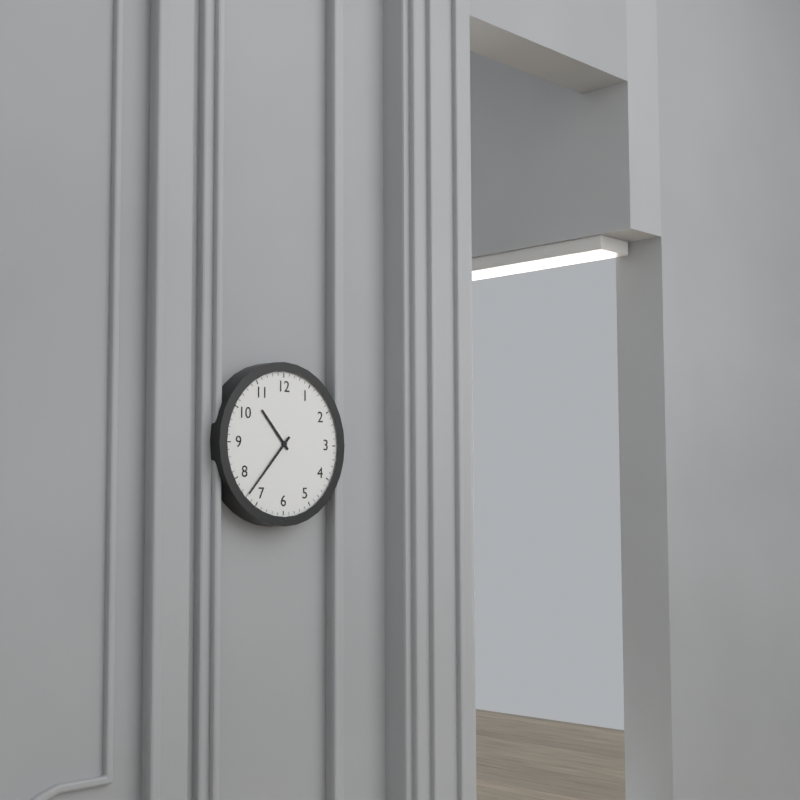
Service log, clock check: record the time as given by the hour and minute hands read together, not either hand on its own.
10:37
